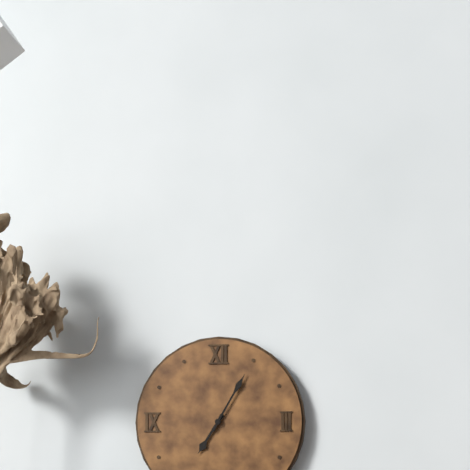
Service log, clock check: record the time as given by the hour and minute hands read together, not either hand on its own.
7:05
